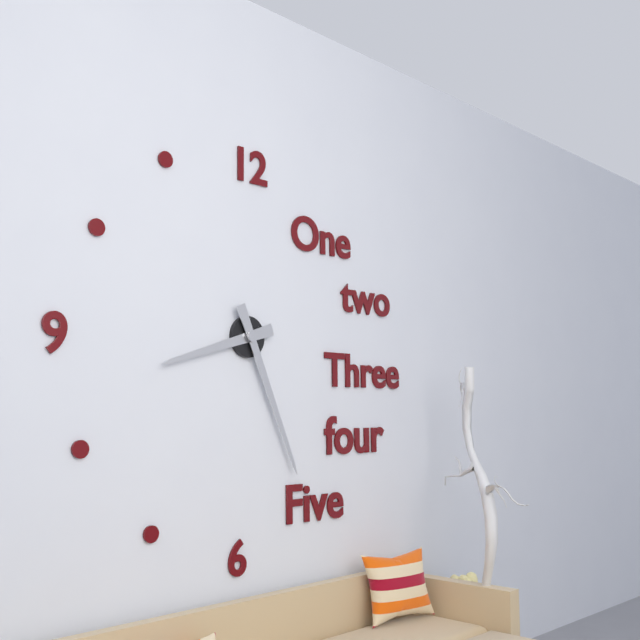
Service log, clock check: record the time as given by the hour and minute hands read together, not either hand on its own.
8:26
